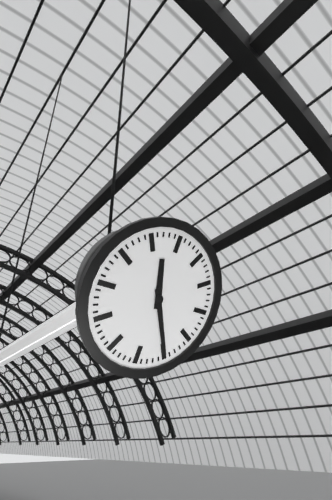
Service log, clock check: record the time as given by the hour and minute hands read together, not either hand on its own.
11:25
